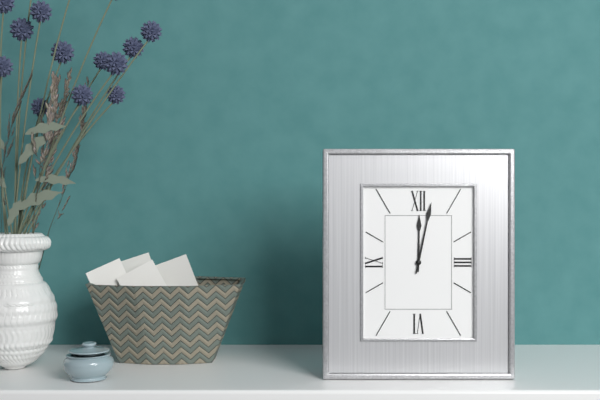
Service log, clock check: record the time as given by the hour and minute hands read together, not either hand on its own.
12:02
